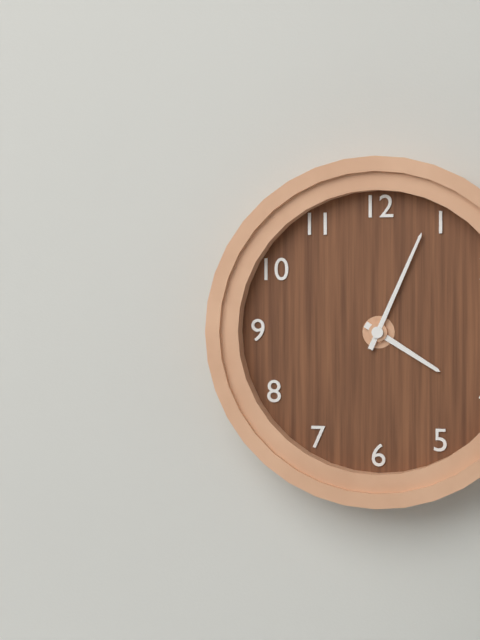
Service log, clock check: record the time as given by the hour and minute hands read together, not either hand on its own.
4:04
